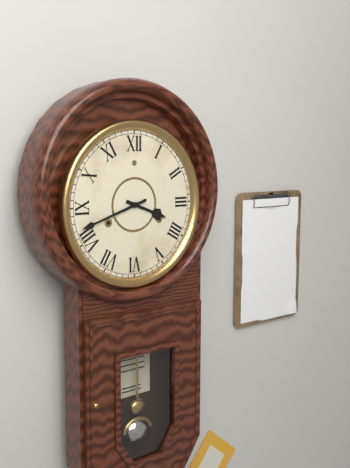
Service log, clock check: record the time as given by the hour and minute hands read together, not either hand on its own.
3:42
